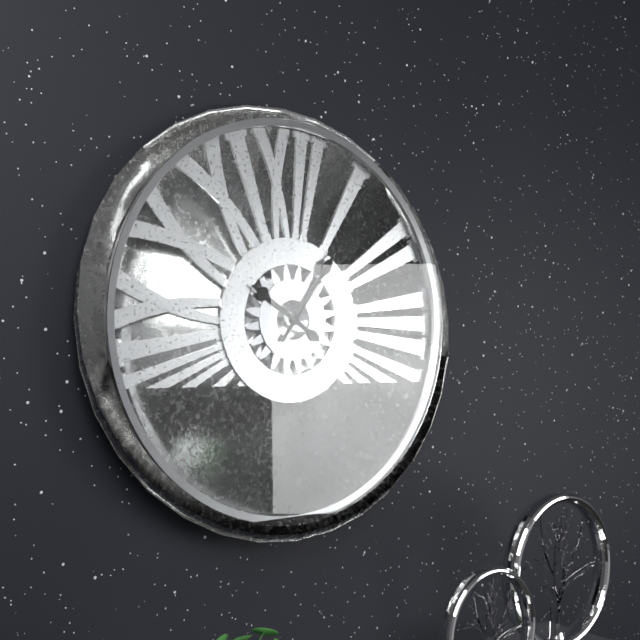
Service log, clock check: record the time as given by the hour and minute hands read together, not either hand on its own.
10:06
